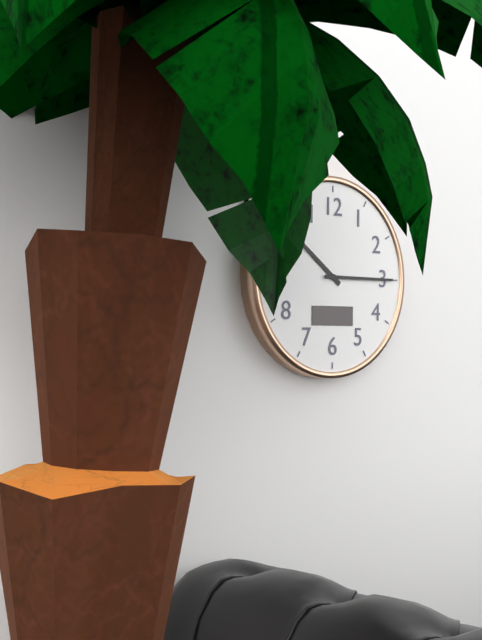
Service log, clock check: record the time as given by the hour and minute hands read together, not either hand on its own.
10:15
